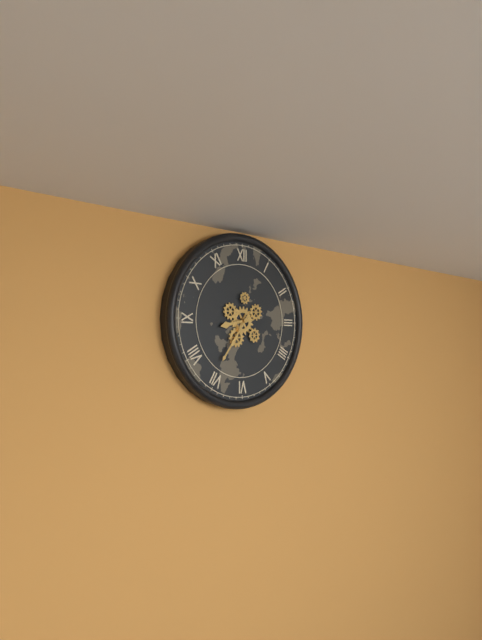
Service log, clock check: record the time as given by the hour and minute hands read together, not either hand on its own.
8:36
